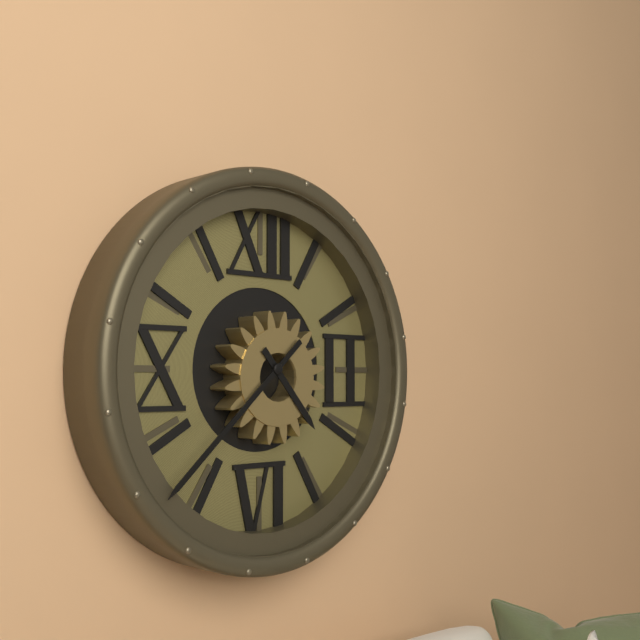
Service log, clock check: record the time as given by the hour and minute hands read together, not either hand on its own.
4:38
